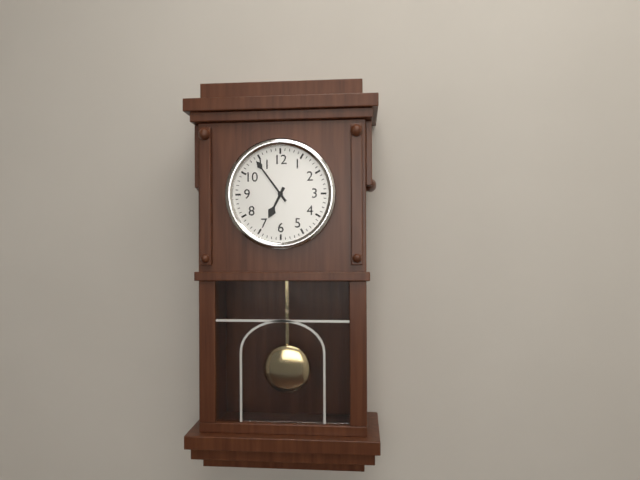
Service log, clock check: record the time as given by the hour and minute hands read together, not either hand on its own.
6:54
